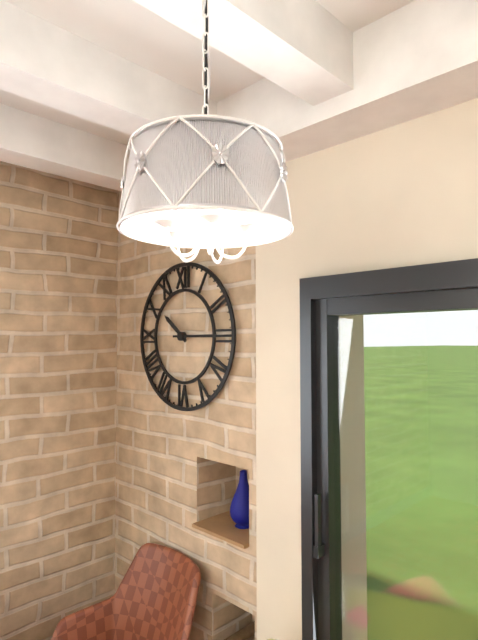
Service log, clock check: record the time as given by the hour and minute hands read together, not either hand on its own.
10:15
